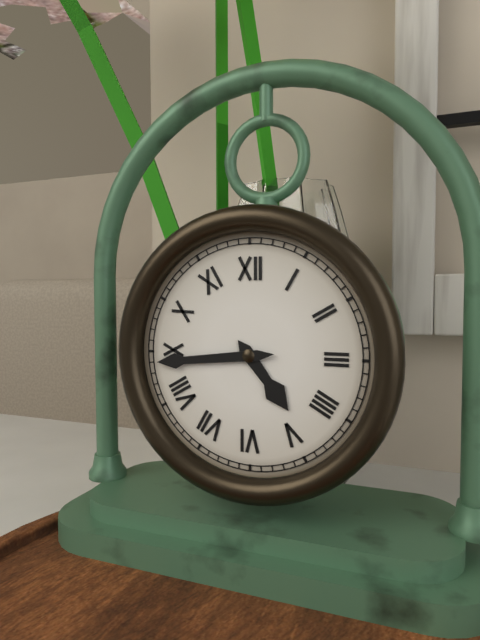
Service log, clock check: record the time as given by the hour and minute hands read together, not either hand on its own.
4:44
